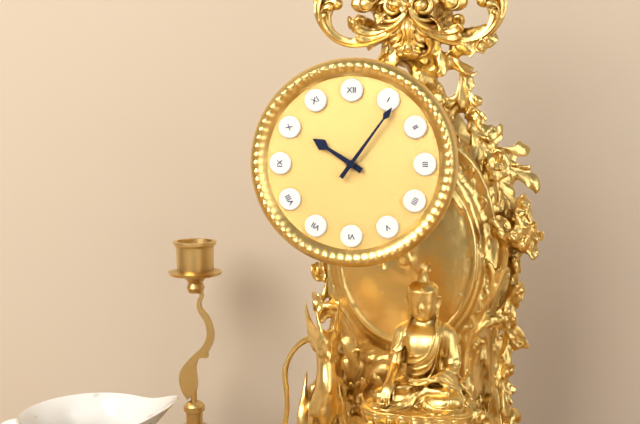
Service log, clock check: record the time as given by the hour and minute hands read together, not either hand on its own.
10:06
